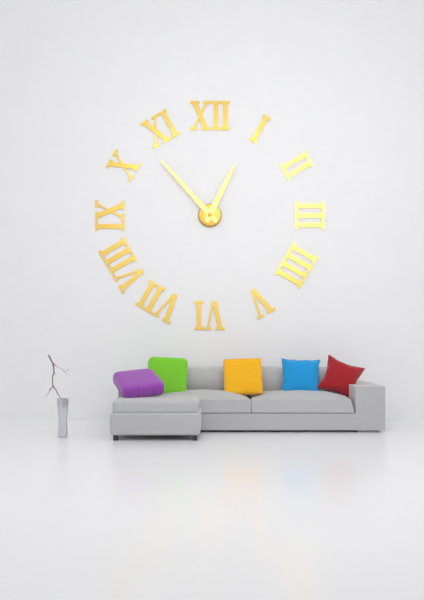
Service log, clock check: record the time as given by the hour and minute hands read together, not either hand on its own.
12:53
